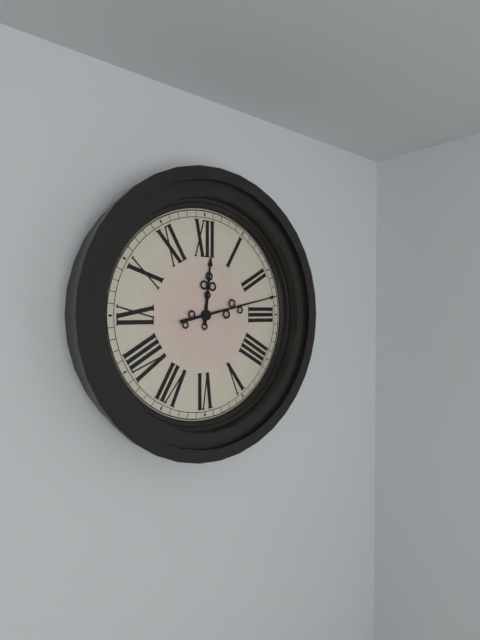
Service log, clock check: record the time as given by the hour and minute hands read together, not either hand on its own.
12:13
